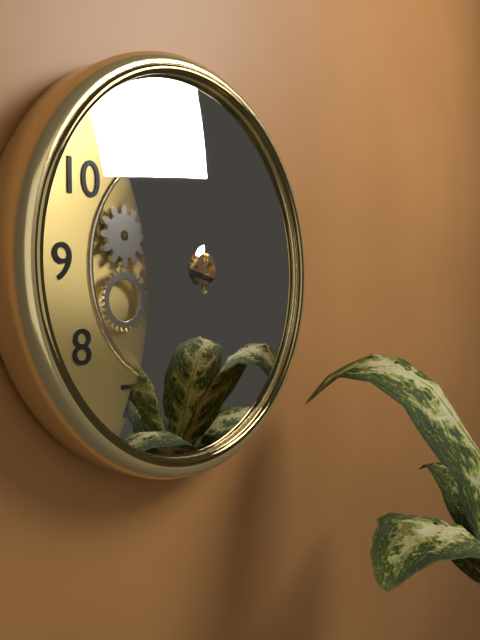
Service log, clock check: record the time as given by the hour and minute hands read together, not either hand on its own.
4:17
